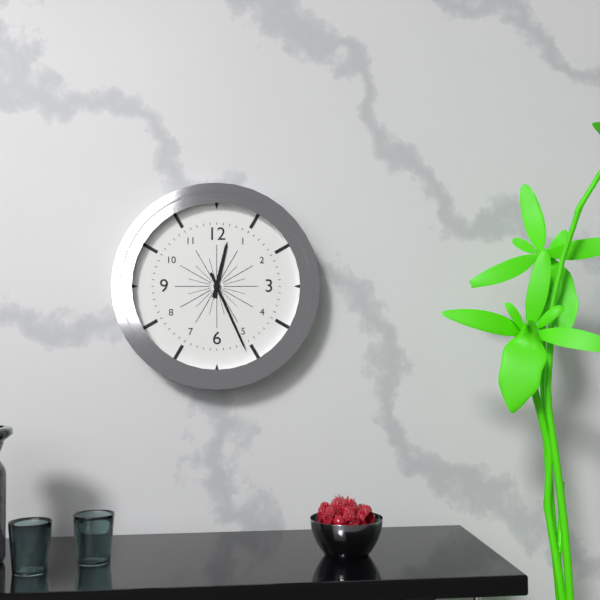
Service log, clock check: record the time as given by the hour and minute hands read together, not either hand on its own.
12:26
